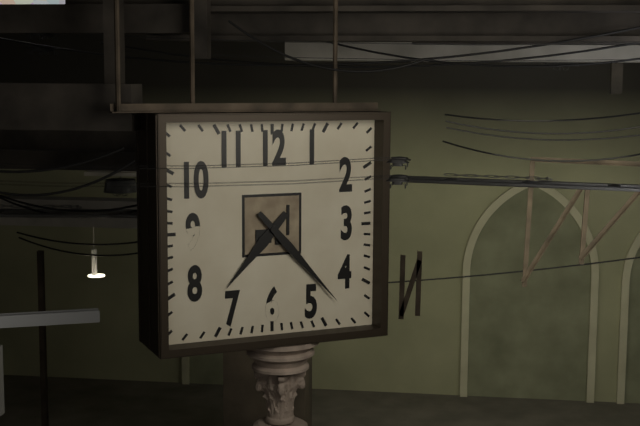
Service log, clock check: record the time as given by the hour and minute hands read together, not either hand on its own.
7:23
